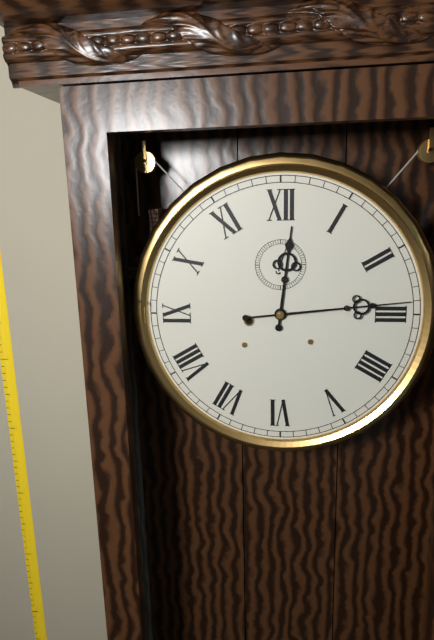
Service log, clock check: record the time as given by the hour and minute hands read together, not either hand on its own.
12:14
